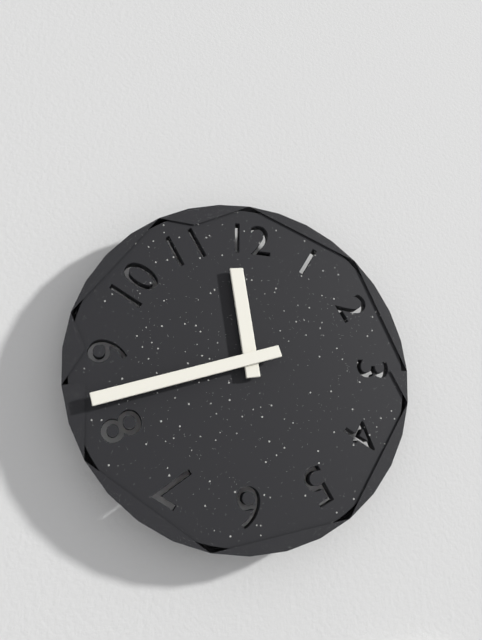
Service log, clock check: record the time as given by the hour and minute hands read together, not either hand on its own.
11:42
